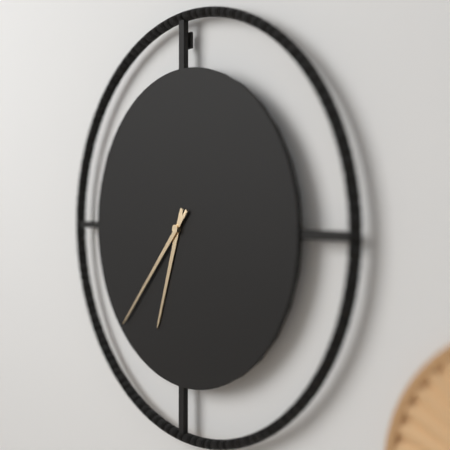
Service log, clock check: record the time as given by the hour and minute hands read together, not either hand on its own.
6:37
